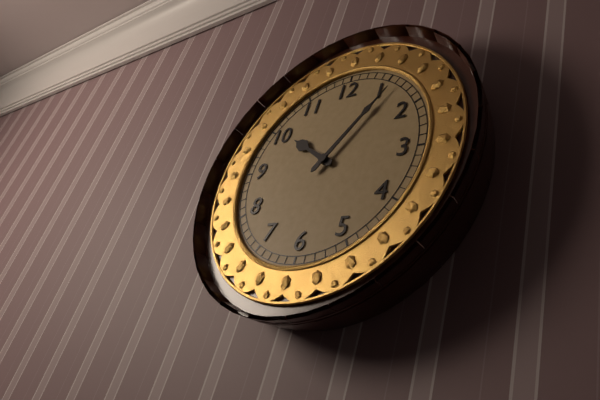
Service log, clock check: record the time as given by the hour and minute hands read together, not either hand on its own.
10:06
